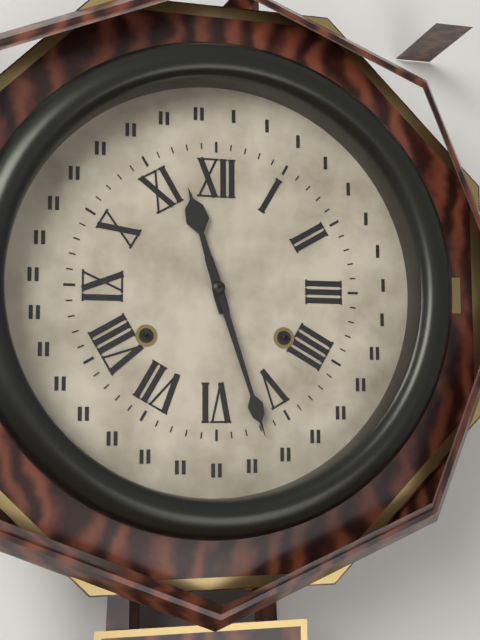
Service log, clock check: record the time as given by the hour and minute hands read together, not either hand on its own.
11:27
